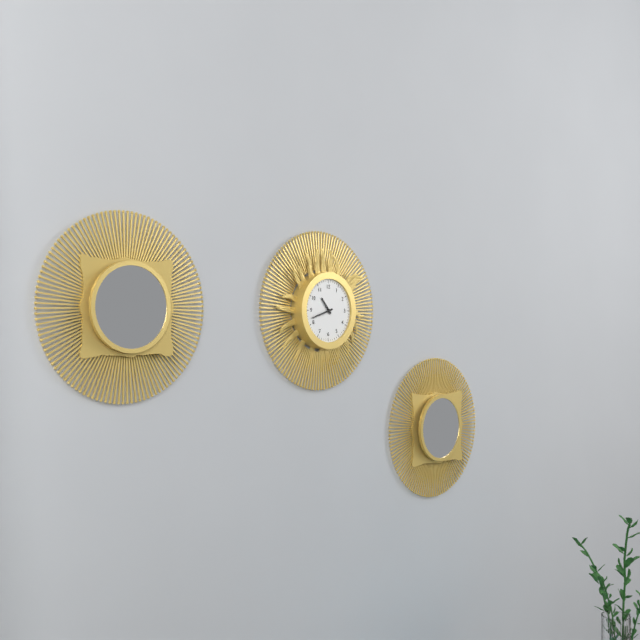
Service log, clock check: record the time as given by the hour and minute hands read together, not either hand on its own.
10:42
